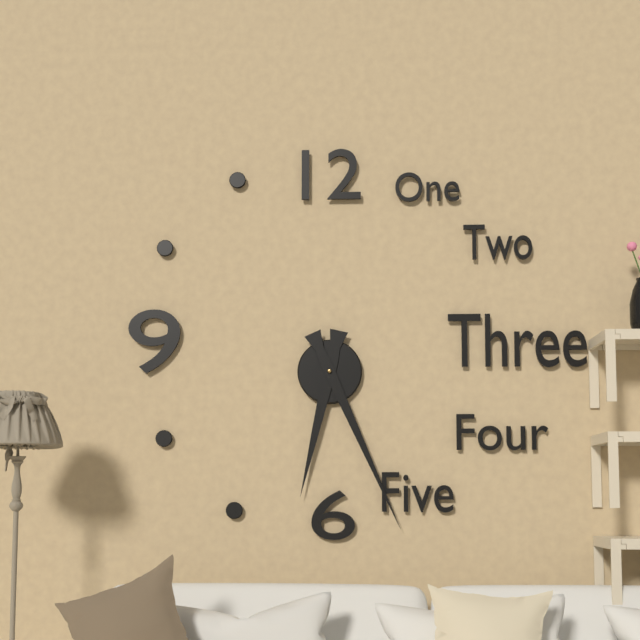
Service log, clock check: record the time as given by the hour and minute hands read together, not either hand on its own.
6:26
